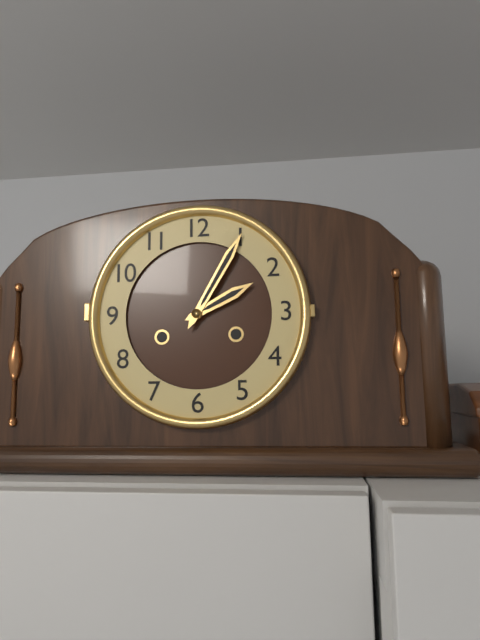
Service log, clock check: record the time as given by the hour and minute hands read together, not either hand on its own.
2:05
